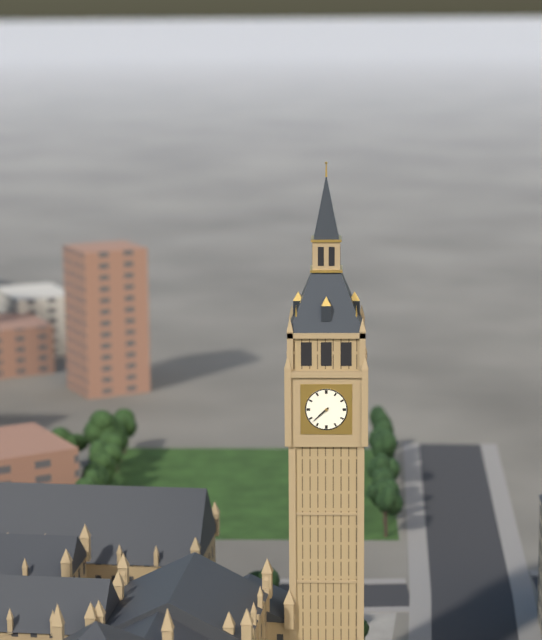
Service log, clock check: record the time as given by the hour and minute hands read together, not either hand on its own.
7:38
